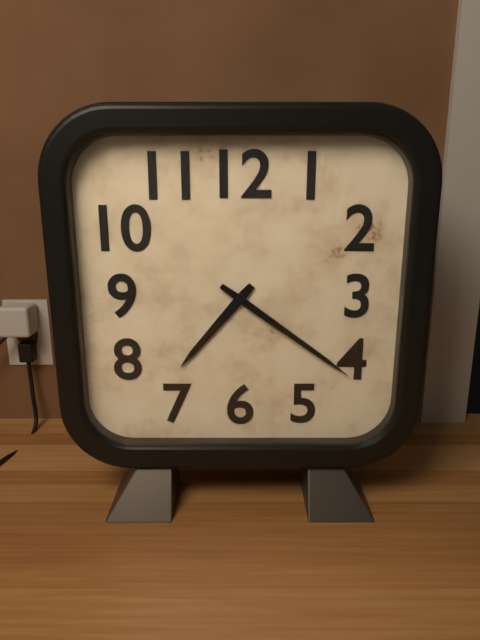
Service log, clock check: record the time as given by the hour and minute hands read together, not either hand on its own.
7:21
